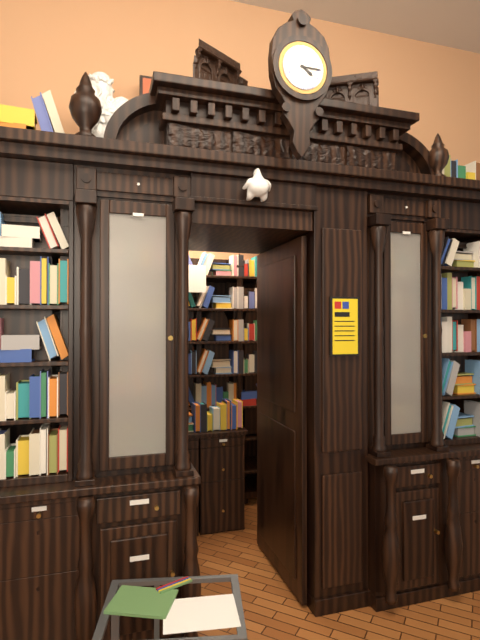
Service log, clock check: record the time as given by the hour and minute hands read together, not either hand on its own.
4:15
